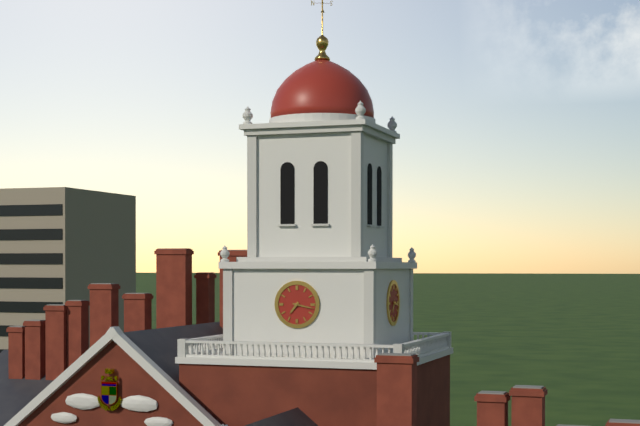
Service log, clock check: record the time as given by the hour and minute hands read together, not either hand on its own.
7:17
